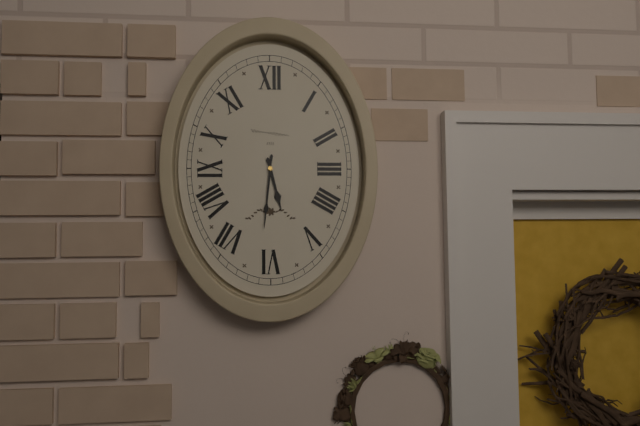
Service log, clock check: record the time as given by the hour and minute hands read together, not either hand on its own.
5:31
